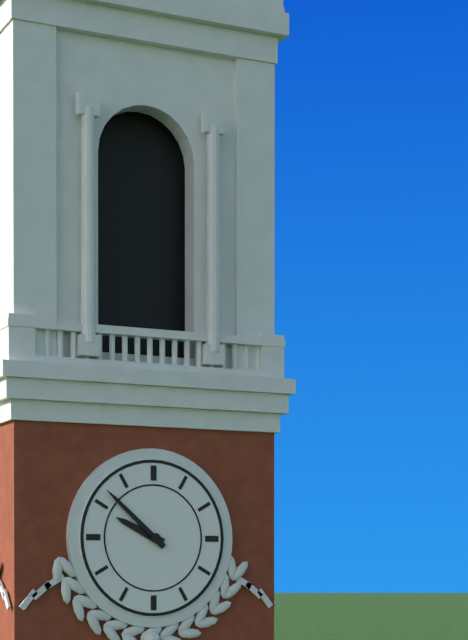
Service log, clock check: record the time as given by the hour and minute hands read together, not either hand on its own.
9:52
